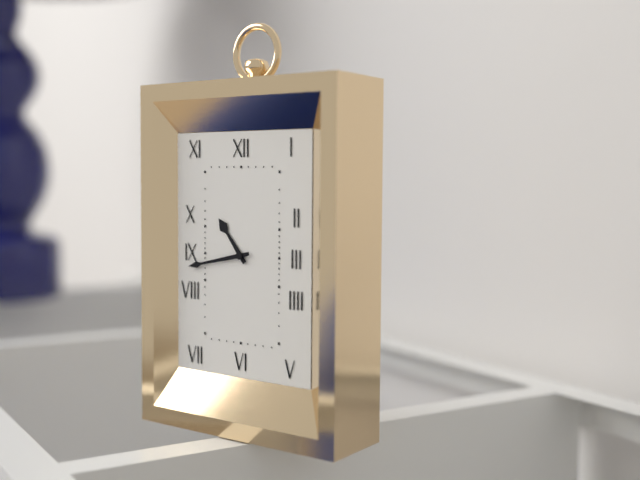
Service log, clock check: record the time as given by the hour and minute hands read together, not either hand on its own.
10:43
